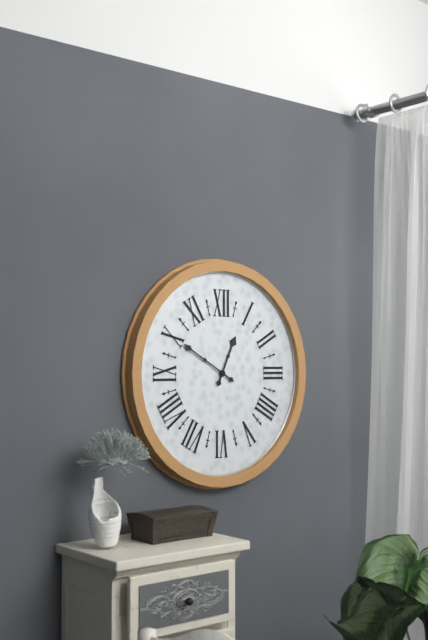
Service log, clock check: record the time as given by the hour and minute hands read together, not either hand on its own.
12:50
